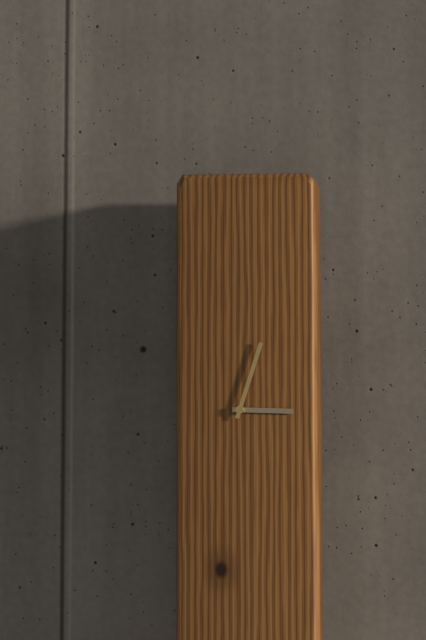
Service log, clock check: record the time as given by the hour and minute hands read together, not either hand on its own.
3:03
